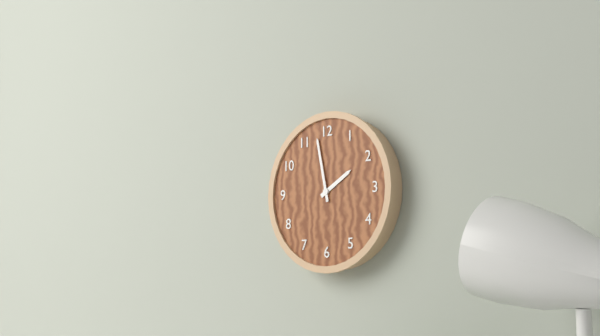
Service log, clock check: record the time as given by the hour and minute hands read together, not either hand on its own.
1:58
